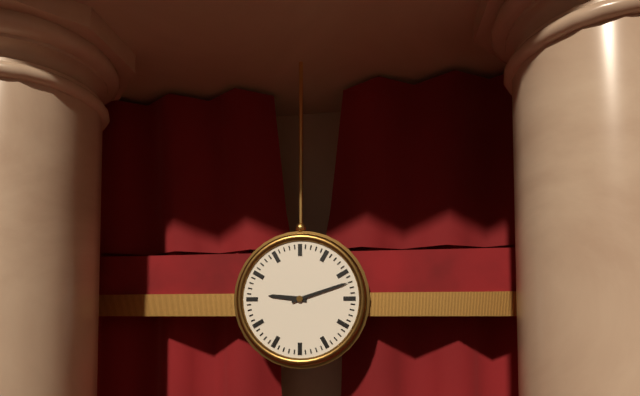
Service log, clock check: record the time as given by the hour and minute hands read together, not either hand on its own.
9:12
